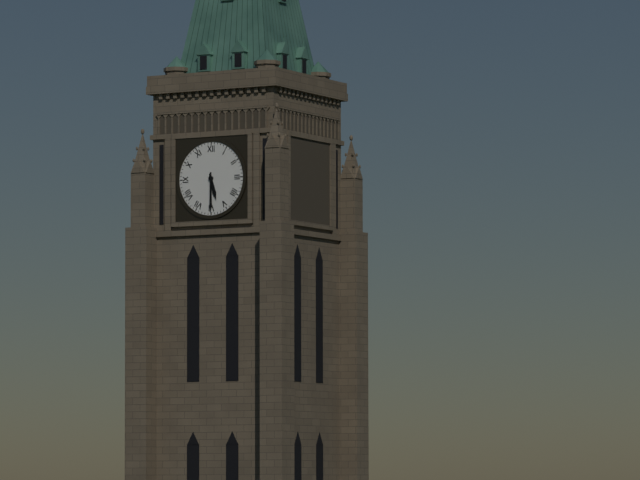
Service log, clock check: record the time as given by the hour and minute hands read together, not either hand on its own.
5:30
